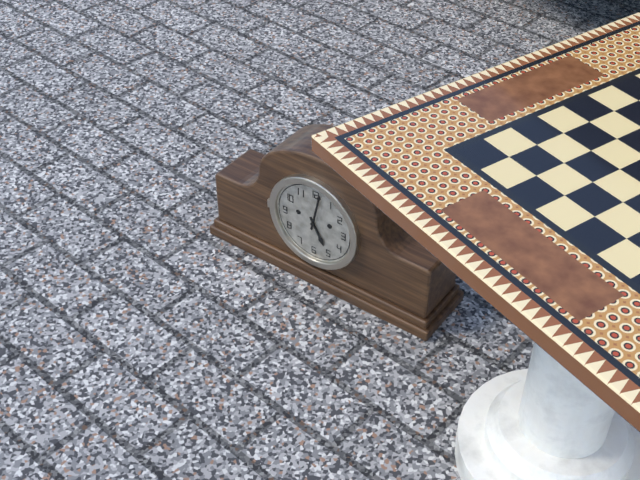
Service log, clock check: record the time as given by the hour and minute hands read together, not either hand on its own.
5:02
